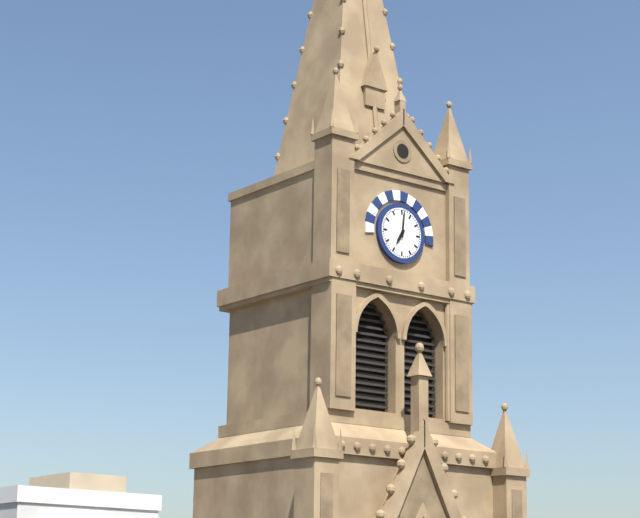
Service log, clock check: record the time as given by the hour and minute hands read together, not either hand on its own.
7:01
